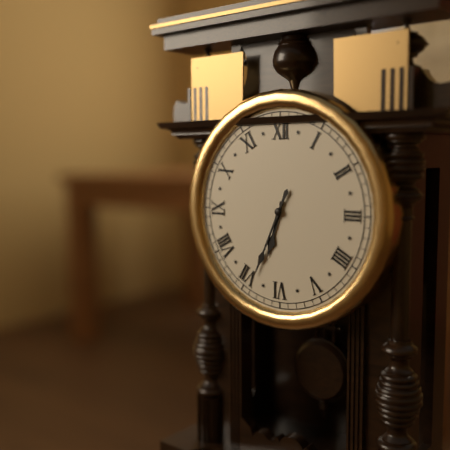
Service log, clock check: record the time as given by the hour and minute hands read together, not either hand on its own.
6:34
